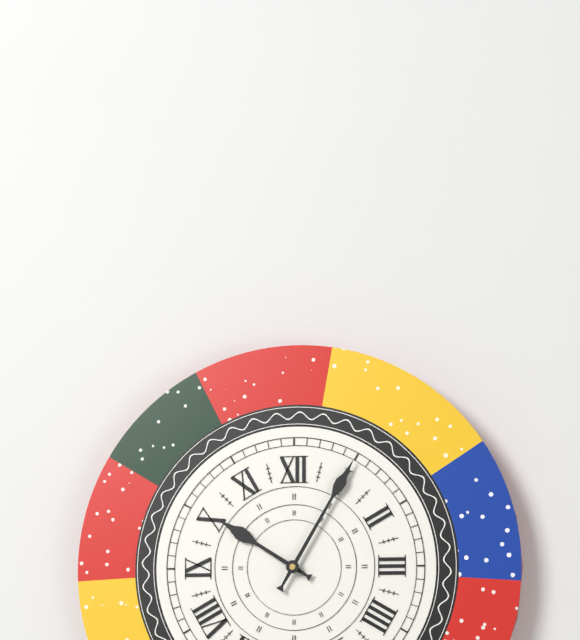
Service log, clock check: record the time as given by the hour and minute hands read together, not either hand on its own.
10:05
